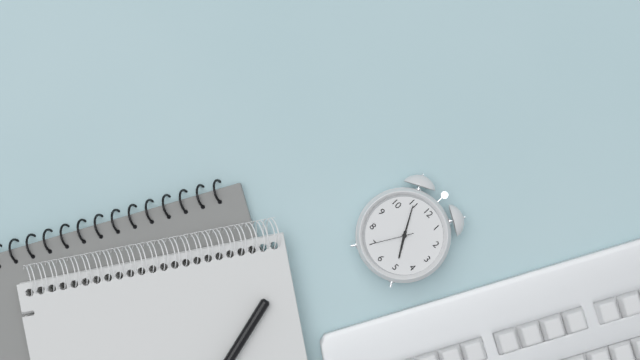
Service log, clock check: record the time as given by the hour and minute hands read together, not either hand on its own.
4:55
